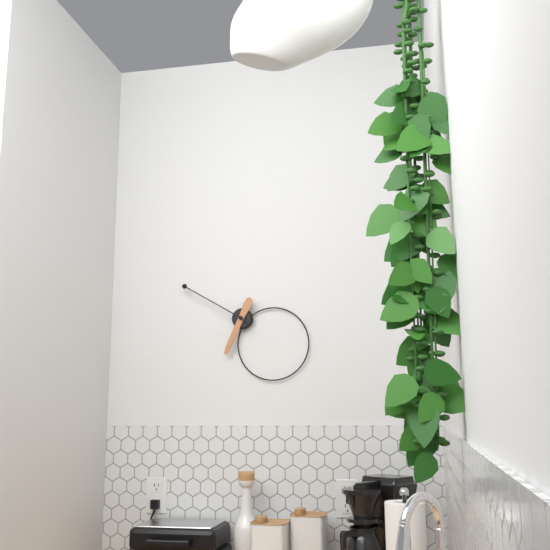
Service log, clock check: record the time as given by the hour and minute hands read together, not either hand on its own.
6:50
